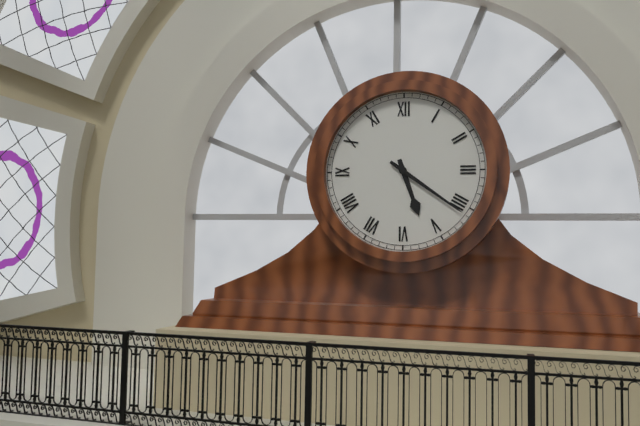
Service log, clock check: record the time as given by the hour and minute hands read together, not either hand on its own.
5:21
